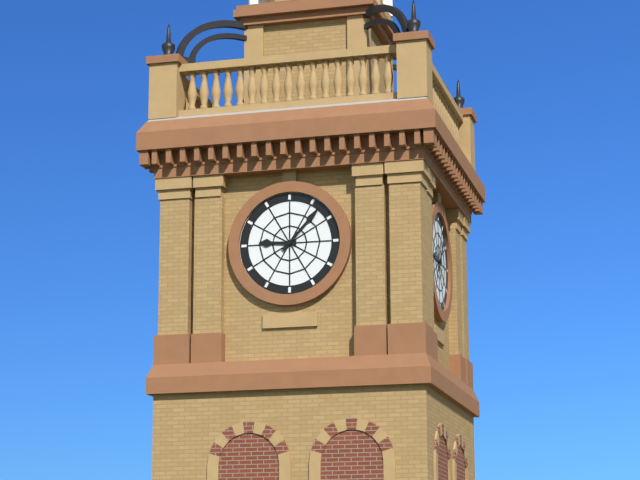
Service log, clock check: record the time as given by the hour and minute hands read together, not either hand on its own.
9:07
